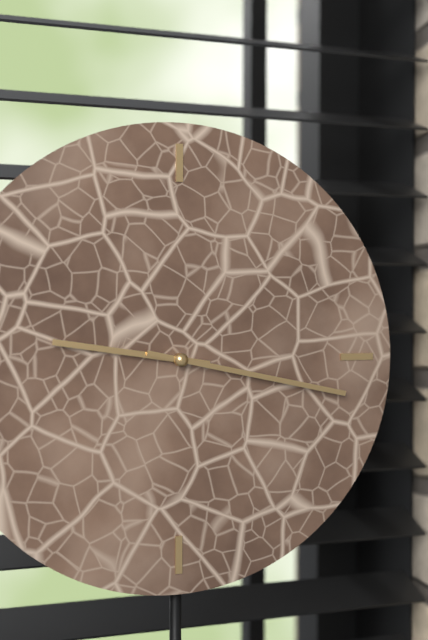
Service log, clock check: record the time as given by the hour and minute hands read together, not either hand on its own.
9:17
